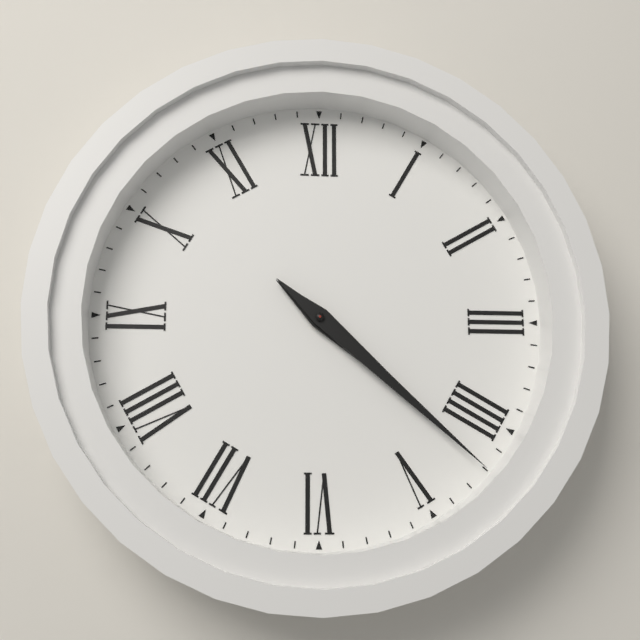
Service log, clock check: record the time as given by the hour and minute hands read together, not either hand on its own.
4:22
